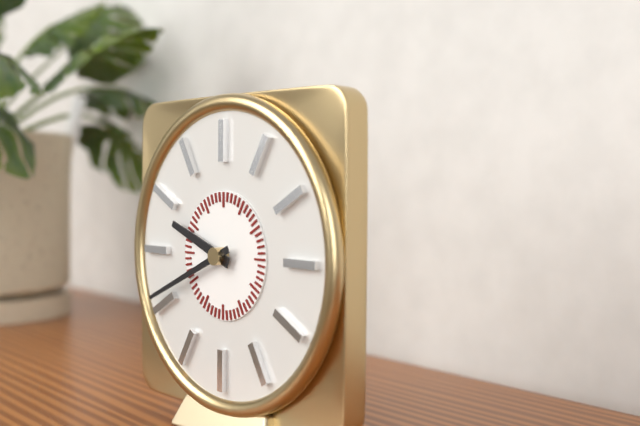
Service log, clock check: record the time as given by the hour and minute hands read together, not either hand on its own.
9:41
